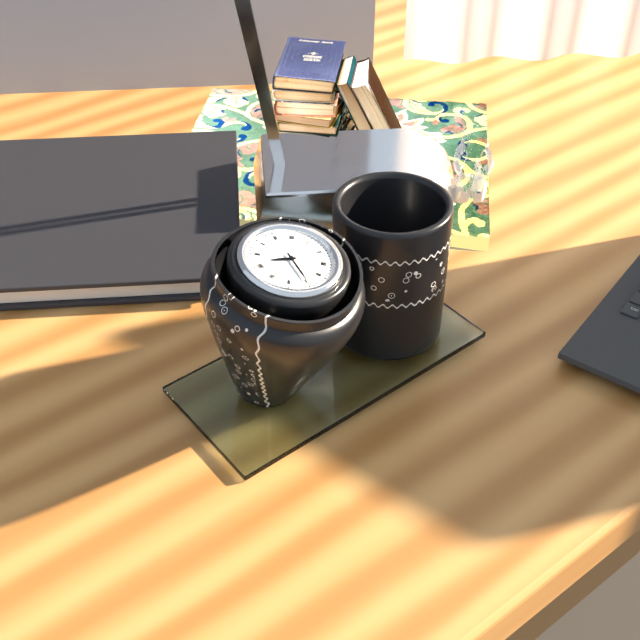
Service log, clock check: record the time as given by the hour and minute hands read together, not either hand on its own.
8:25
